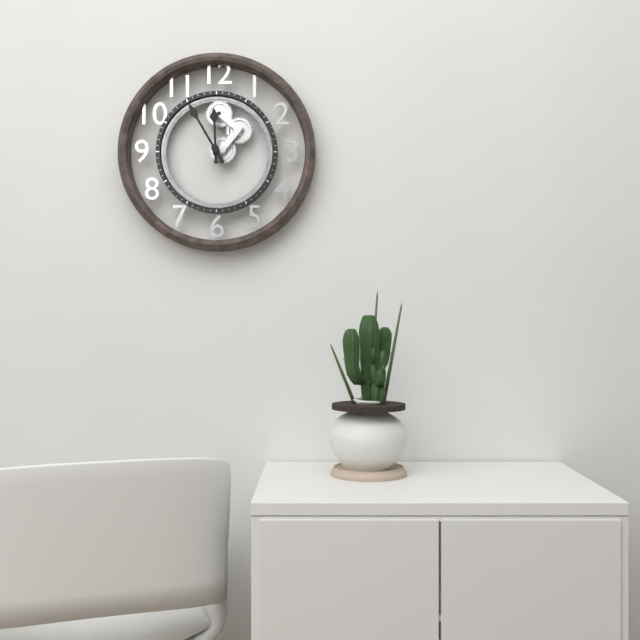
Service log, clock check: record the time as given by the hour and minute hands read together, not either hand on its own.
11:55
